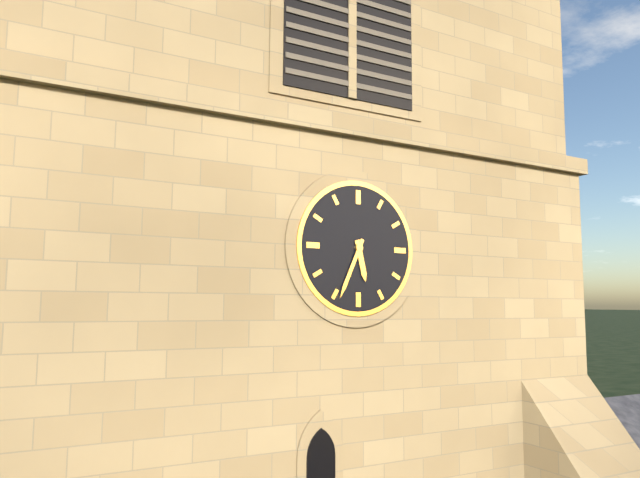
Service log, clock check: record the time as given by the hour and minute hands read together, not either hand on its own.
5:34
